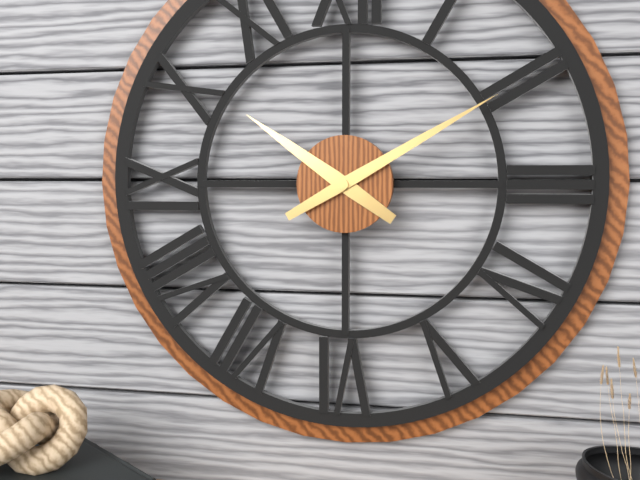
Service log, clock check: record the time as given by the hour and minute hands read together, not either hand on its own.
10:10
